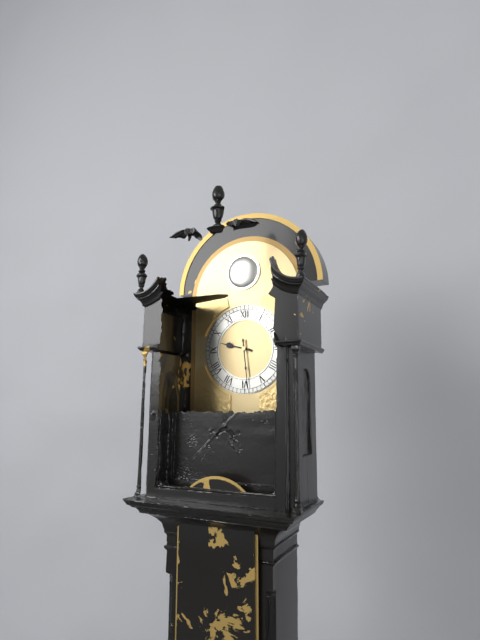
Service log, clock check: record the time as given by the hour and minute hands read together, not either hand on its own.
9:29
